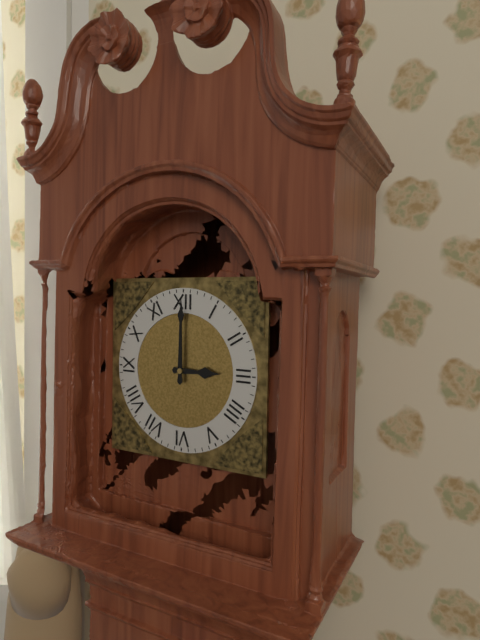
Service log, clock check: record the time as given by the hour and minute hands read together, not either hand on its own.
3:00
